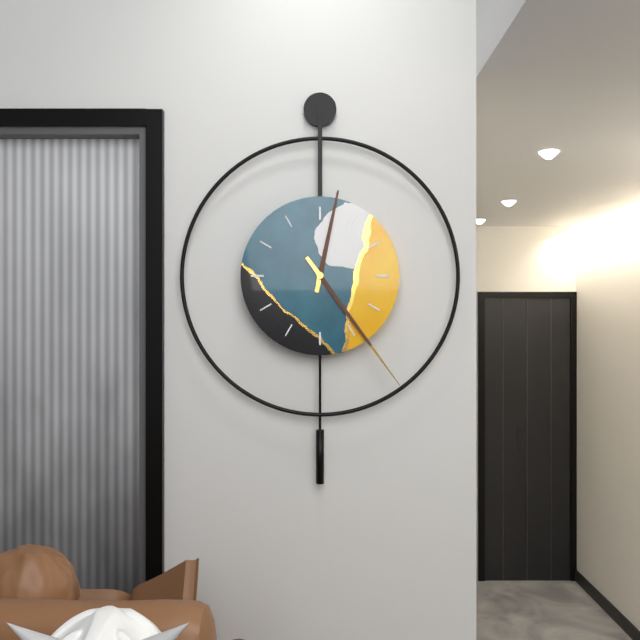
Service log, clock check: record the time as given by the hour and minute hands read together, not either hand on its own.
12:24
